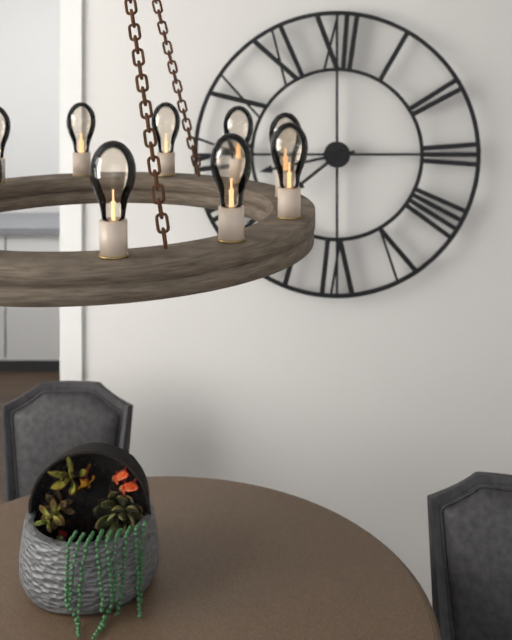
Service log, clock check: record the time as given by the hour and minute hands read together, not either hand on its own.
7:43
